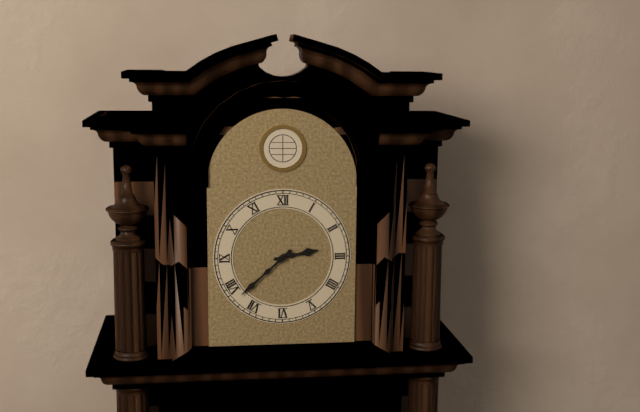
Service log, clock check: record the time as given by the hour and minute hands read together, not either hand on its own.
2:38
